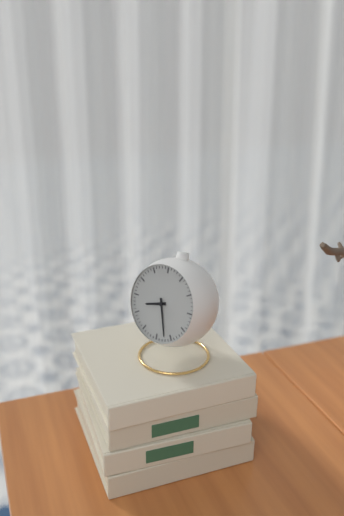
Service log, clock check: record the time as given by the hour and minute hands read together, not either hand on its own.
8:27
